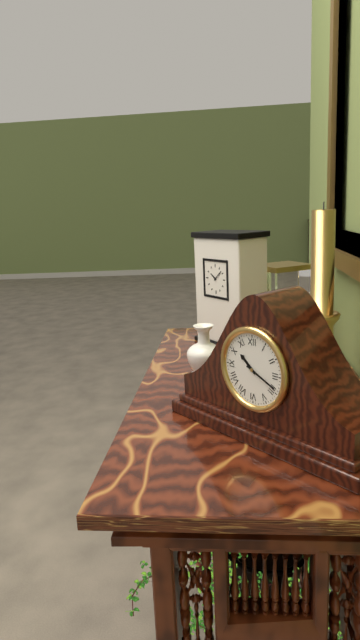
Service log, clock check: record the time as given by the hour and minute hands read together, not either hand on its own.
10:19
